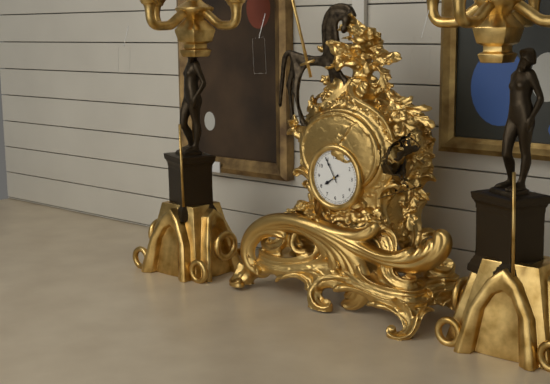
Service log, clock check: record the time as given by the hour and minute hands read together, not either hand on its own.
7:55
